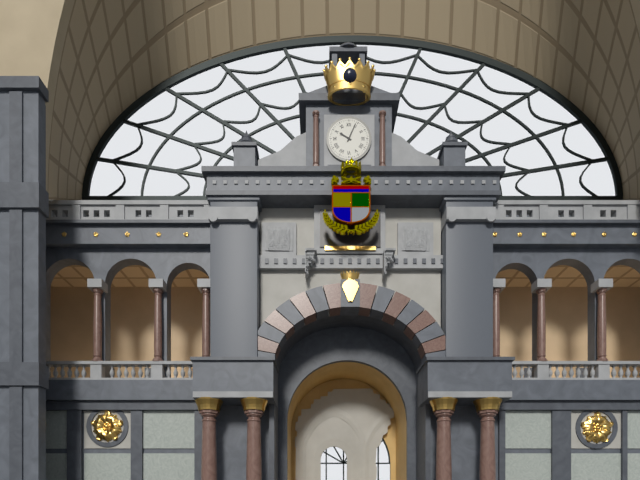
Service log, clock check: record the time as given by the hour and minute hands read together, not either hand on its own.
10:04
